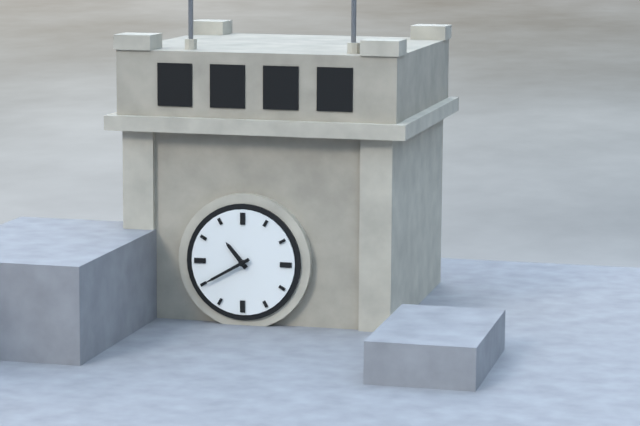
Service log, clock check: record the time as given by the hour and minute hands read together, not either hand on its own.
10:40
